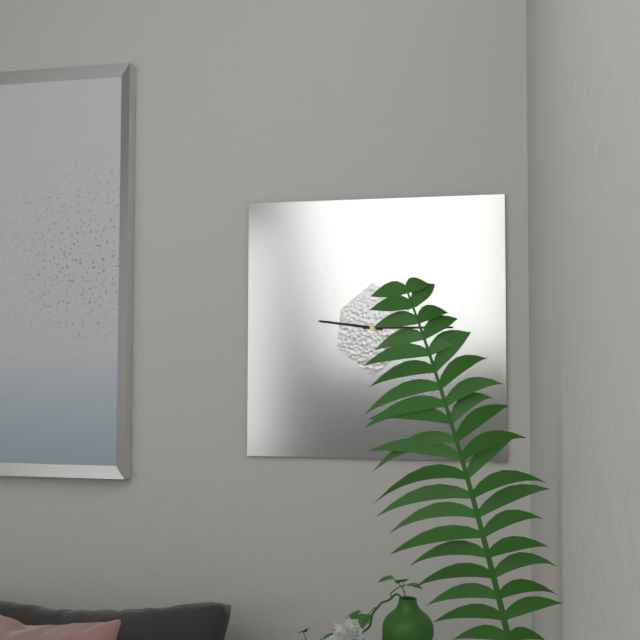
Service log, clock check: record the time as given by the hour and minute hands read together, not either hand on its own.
9:15
